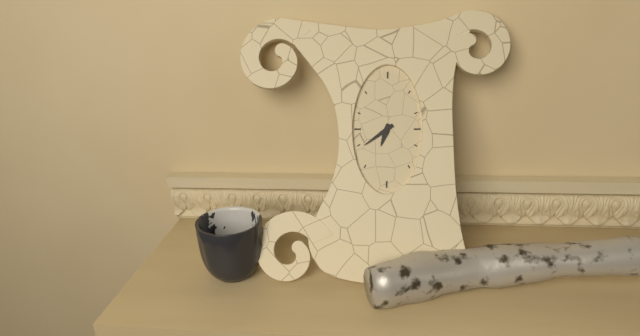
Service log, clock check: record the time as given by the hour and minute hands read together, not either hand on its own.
6:39
